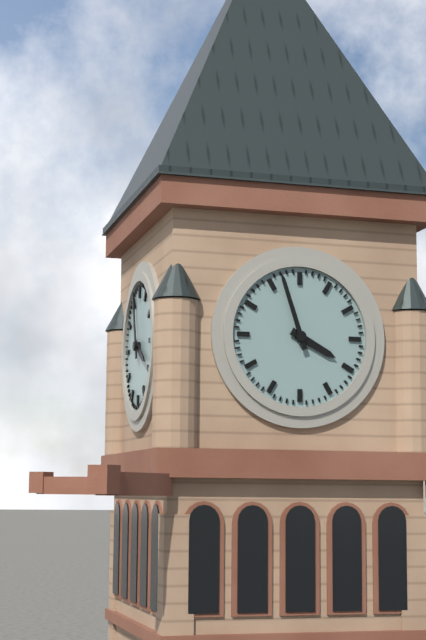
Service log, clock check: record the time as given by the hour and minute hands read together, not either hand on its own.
3:57
